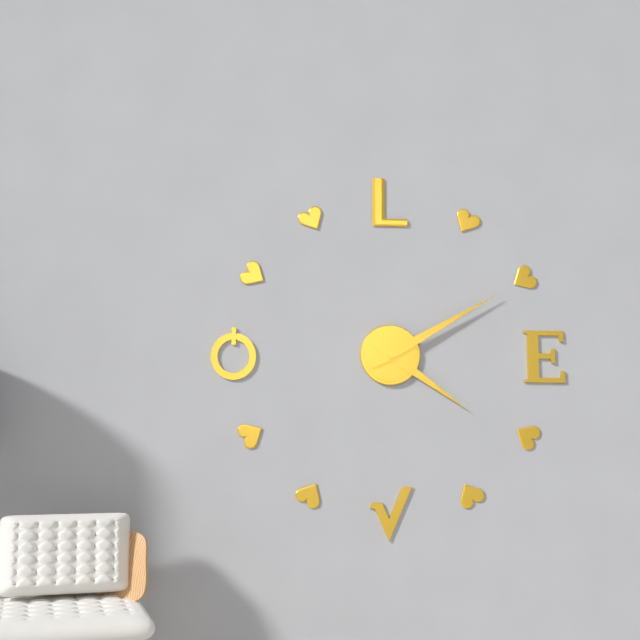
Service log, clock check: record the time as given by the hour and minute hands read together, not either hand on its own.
4:10
